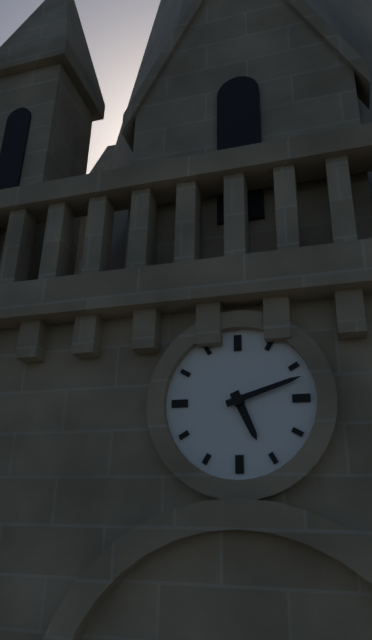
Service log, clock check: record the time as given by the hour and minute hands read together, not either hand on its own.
5:12
